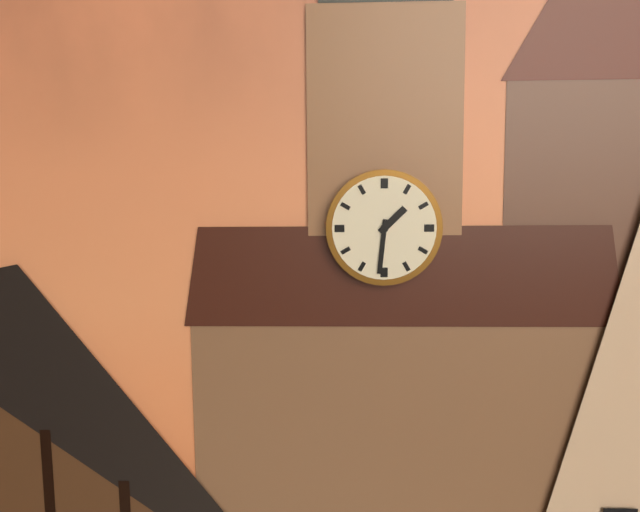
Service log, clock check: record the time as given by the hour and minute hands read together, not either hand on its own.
1:31
